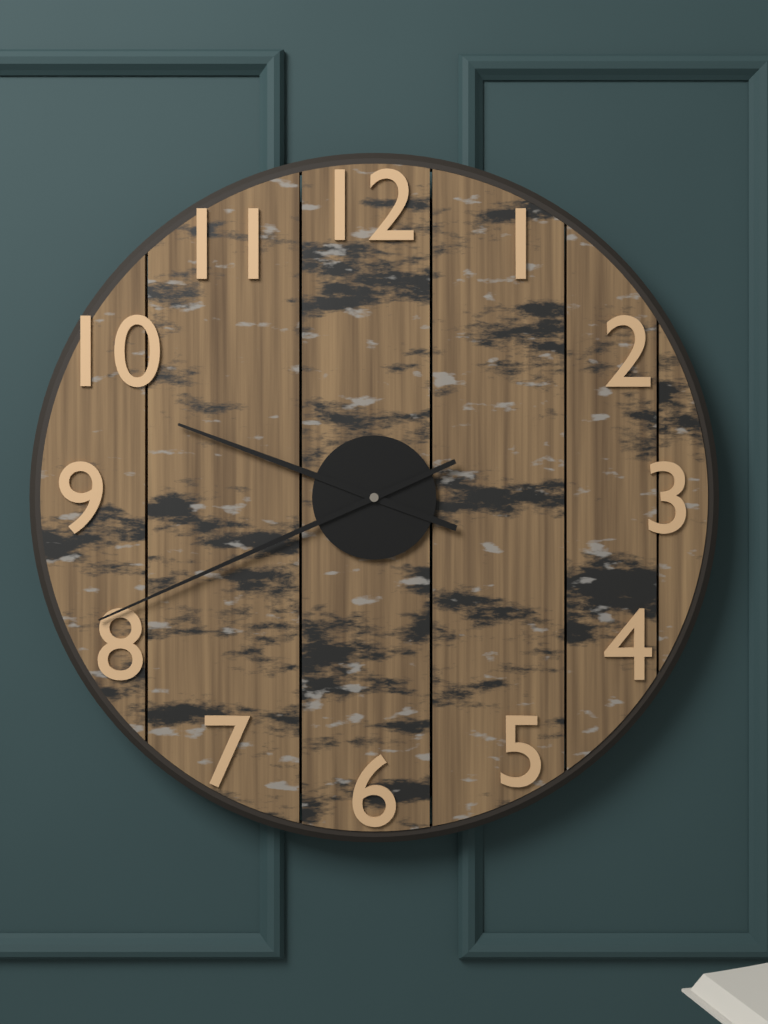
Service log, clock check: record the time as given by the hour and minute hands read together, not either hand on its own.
9:41
